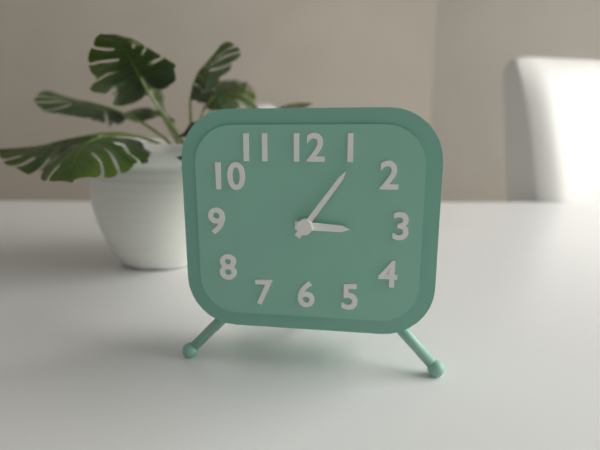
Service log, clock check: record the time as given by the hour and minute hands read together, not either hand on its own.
3:06
